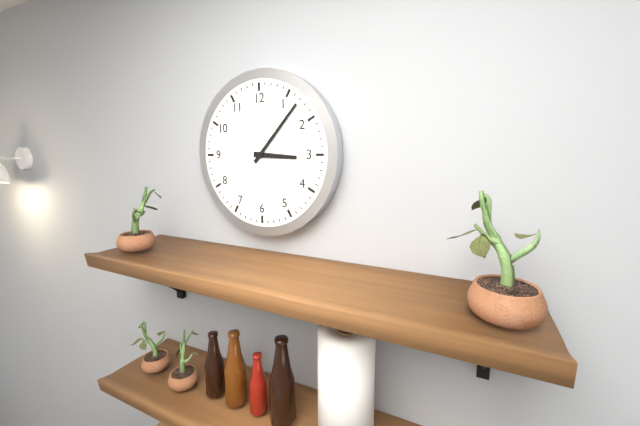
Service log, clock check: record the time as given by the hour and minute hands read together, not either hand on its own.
3:07
